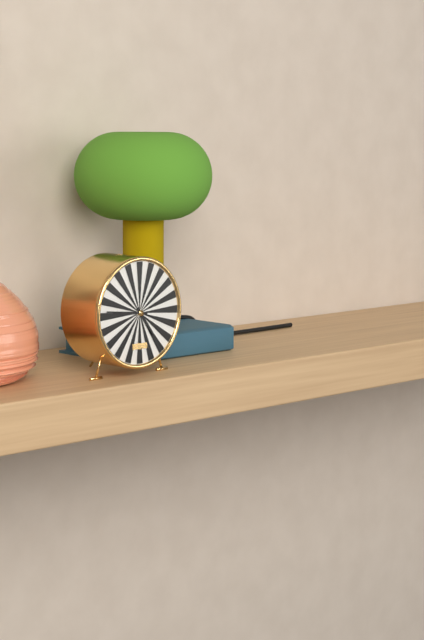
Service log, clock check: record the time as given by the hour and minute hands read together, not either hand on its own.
4:46
